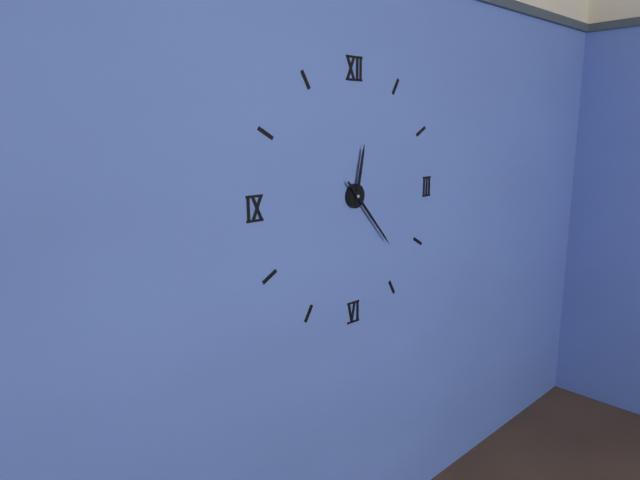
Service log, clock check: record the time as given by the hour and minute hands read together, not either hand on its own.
12:23
